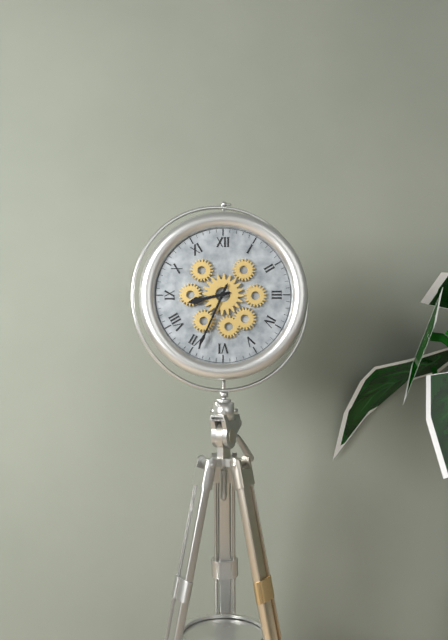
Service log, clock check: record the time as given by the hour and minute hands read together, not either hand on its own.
8:34
